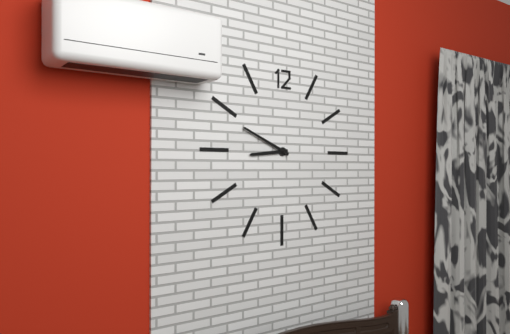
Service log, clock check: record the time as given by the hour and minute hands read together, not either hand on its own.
8:49
